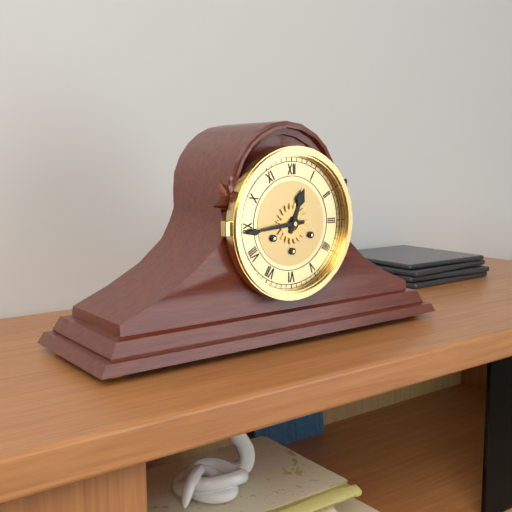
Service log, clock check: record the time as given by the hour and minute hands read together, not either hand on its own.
12:44
